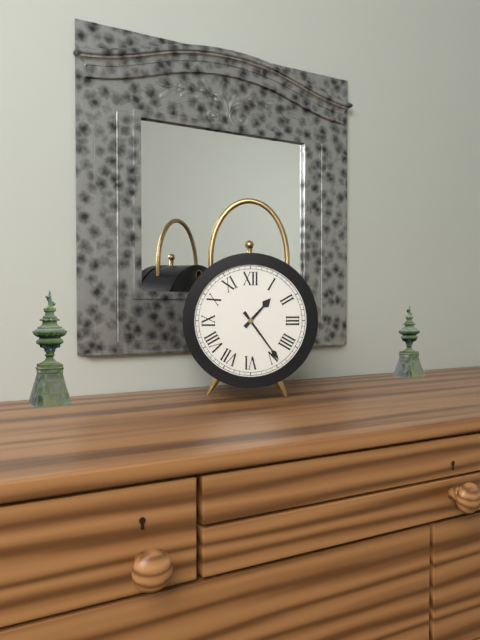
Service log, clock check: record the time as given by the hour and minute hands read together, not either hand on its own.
1:24
